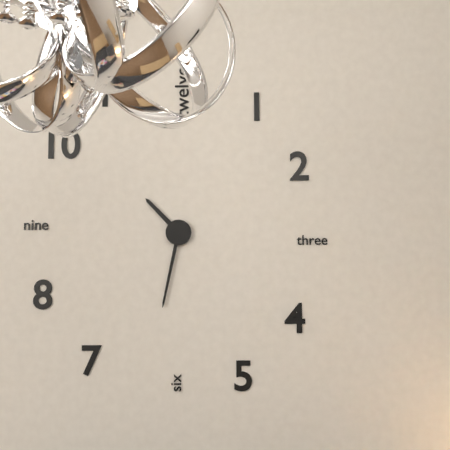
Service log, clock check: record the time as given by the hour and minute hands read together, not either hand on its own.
10:32
